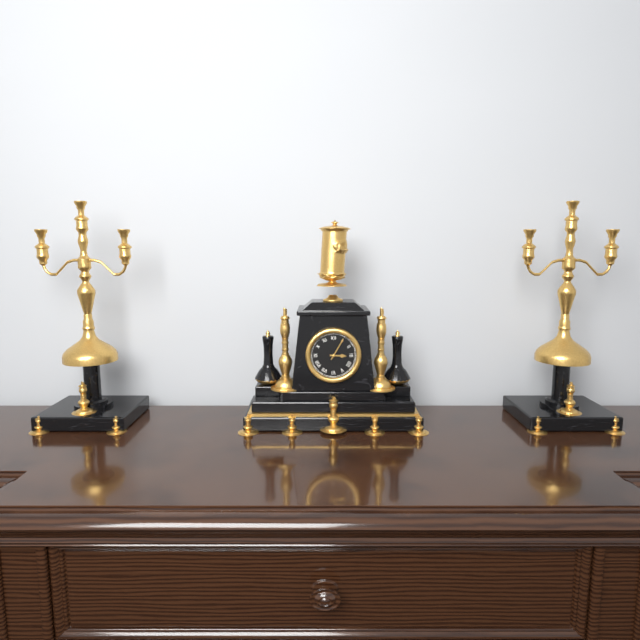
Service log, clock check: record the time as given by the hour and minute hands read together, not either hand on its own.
3:05
